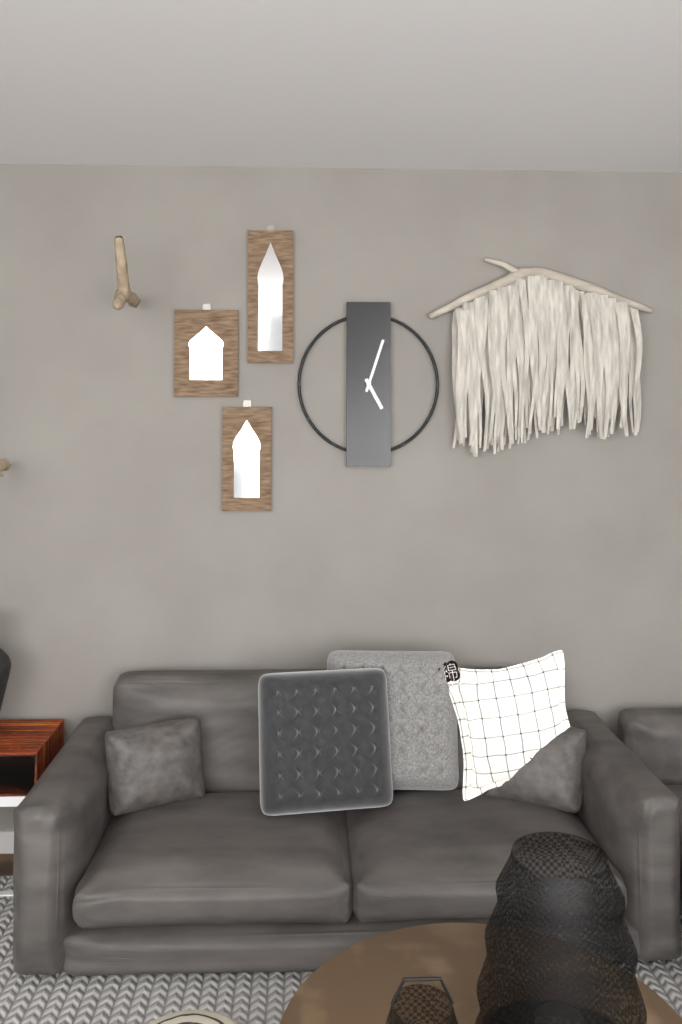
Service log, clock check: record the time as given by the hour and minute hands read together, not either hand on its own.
5:03
